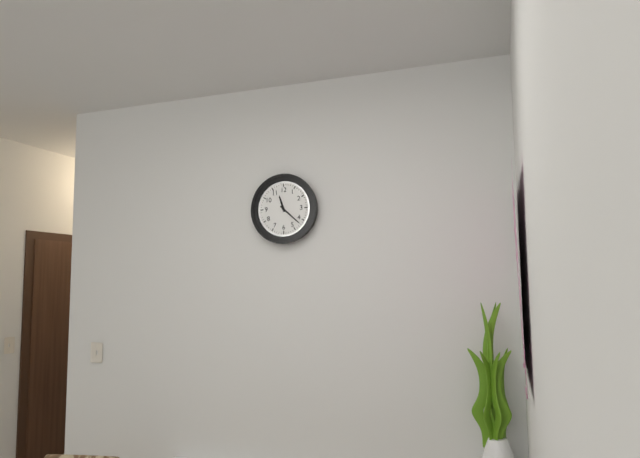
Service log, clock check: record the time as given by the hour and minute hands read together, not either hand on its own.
11:22
